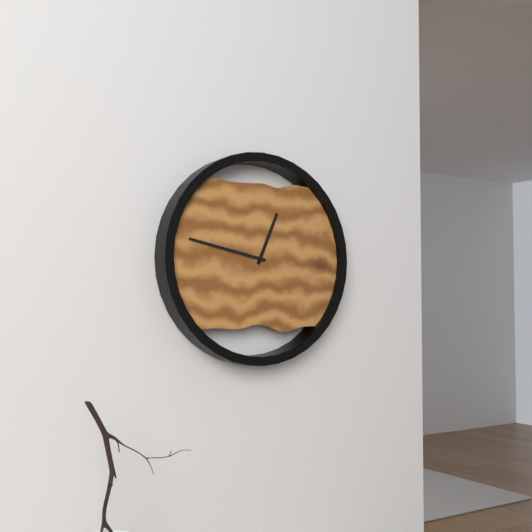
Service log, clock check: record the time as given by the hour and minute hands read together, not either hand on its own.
12:47
